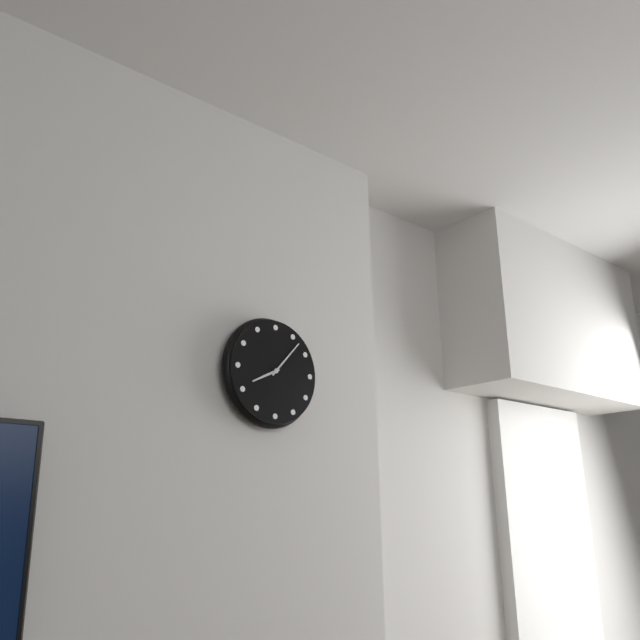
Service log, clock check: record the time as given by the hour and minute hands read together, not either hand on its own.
8:07
